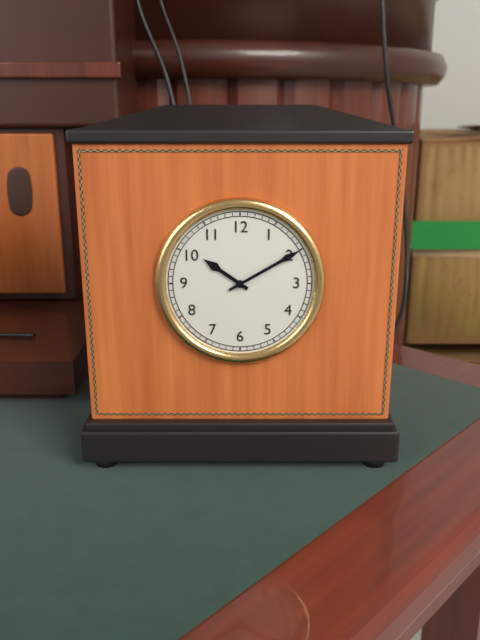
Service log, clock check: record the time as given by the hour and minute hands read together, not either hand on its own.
10:10
